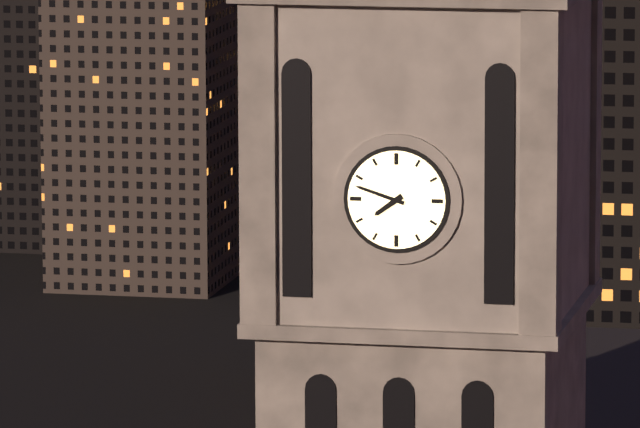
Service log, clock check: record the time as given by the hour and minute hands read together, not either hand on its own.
7:48
